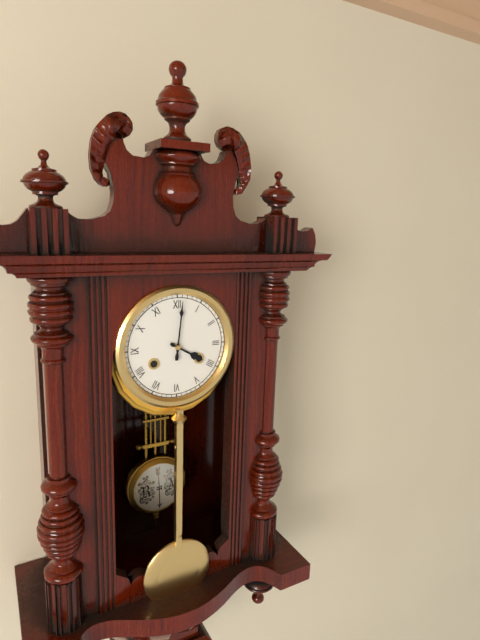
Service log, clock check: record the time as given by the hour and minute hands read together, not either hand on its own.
4:01
